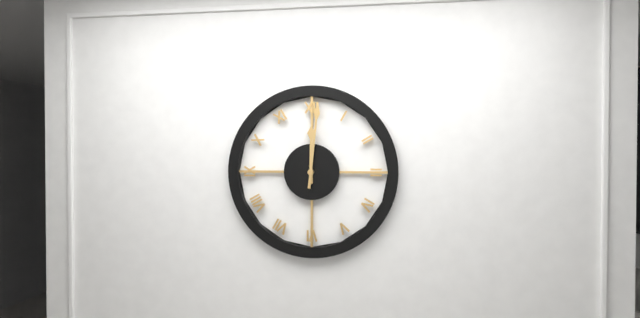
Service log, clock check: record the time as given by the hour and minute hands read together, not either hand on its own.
12:01
